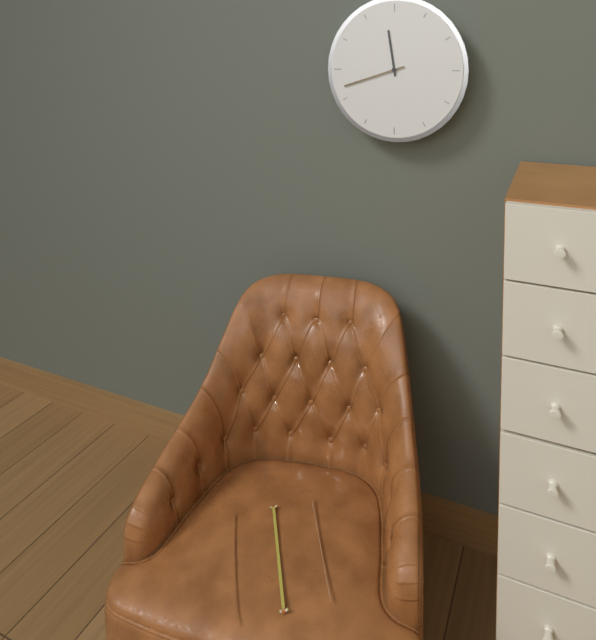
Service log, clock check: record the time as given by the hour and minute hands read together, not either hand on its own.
11:42
